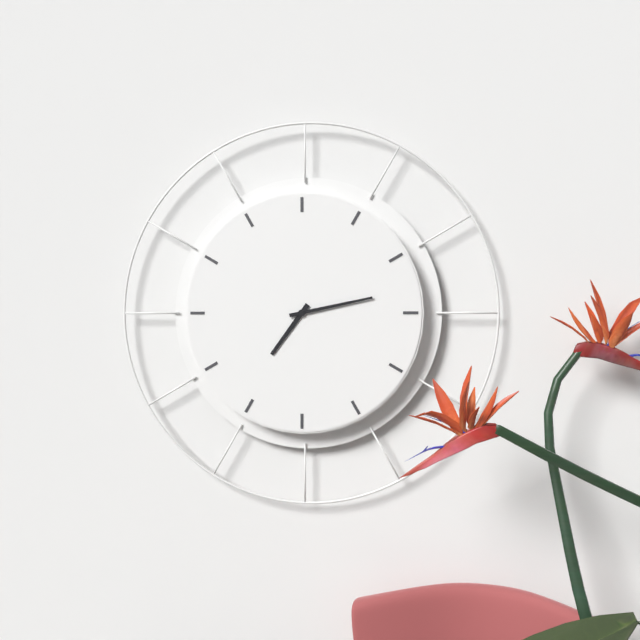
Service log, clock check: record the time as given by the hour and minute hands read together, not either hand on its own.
7:13
